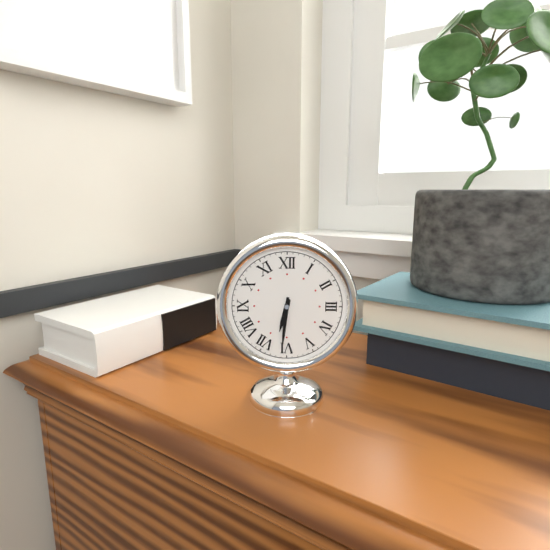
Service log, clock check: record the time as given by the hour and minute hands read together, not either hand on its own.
6:31
